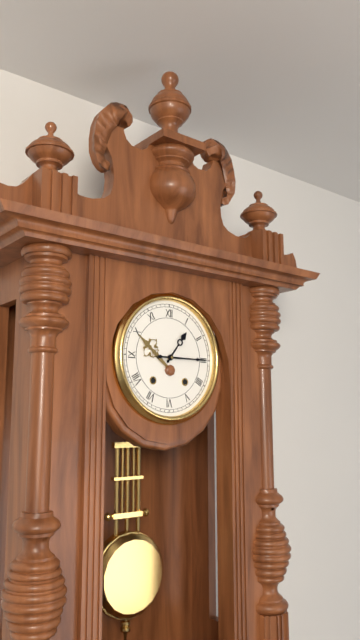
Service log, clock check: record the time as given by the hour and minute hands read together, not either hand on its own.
1:15
